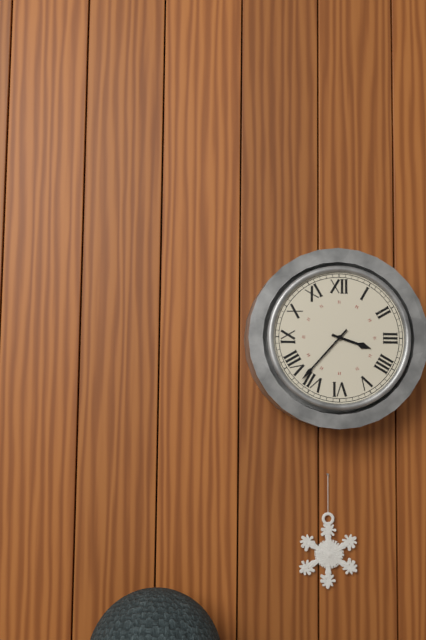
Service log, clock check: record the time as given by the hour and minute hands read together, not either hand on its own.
3:37
